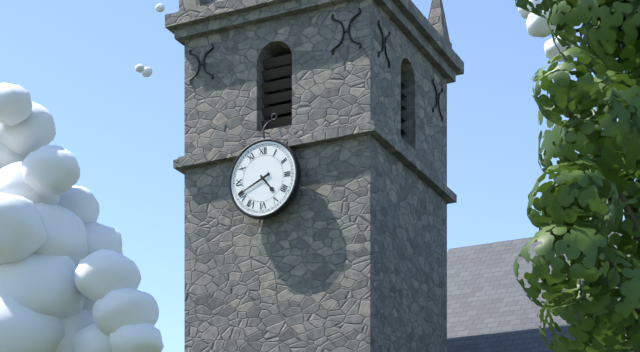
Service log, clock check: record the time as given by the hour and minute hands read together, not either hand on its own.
4:41
